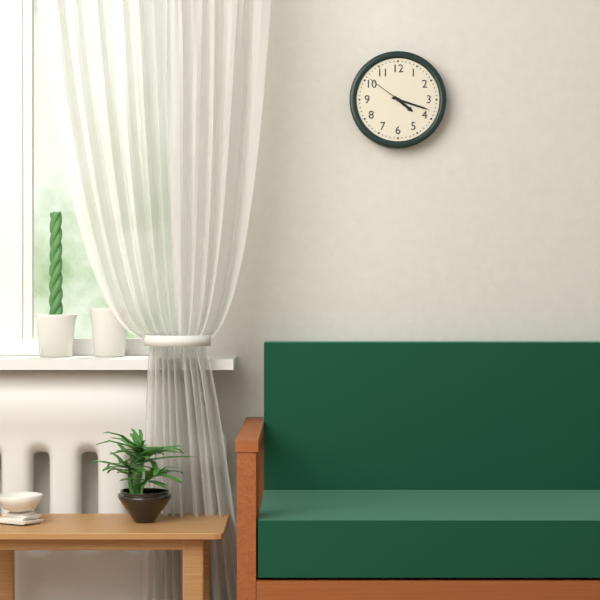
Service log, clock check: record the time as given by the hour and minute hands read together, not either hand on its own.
4:18
